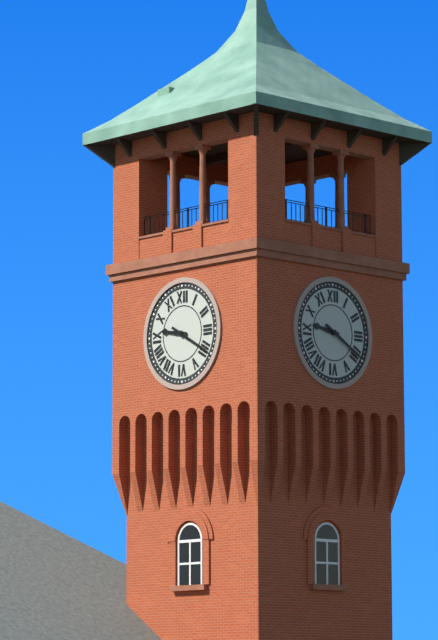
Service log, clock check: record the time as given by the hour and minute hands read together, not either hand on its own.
9:20
